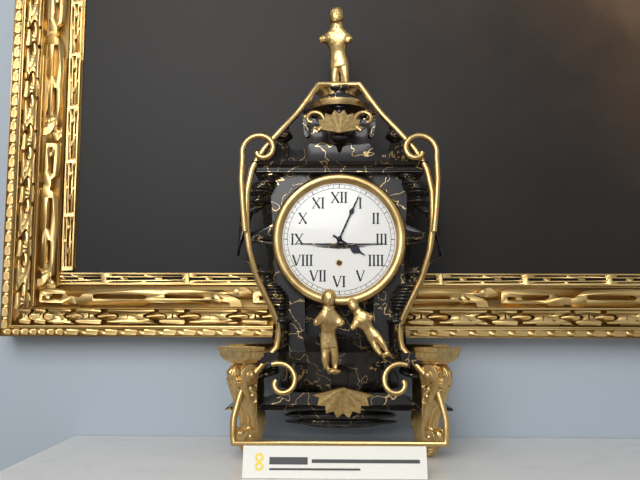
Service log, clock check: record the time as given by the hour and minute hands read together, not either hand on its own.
4:04
